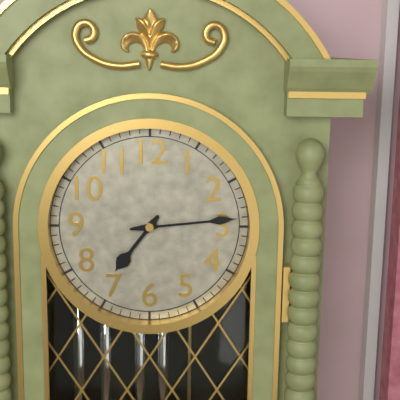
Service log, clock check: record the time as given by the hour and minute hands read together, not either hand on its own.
7:14
